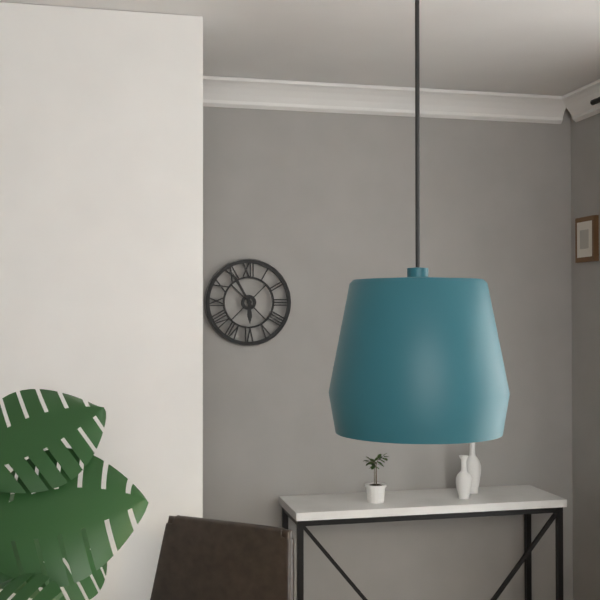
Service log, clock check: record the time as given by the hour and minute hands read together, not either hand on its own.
5:55
